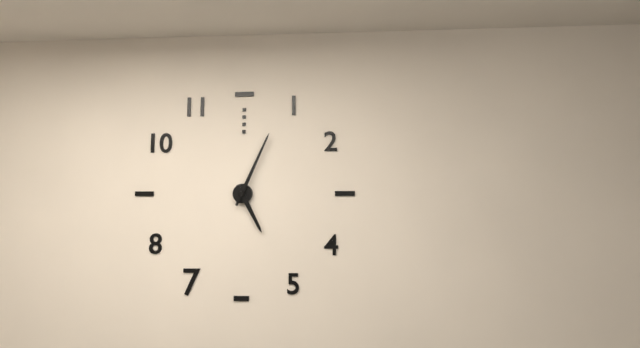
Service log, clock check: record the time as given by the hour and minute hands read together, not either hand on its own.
5:04
